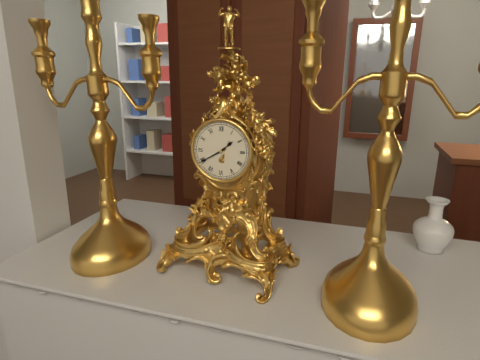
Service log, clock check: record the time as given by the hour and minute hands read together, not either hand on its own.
1:40
